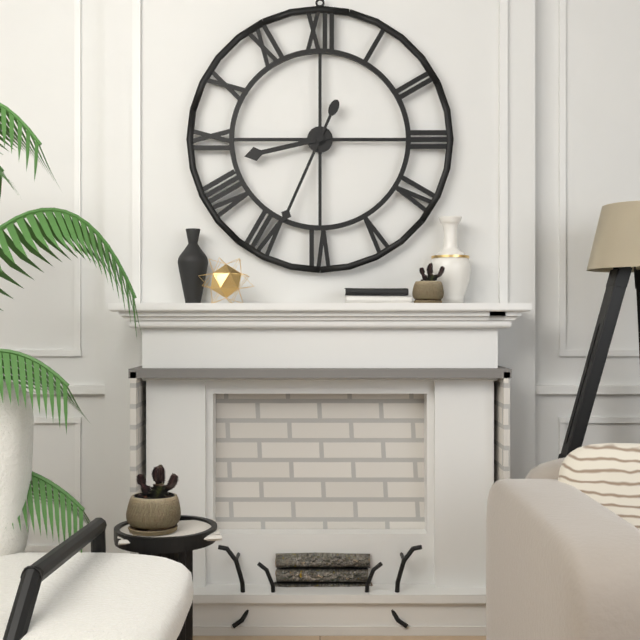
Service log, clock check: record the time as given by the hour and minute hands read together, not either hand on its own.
8:34
